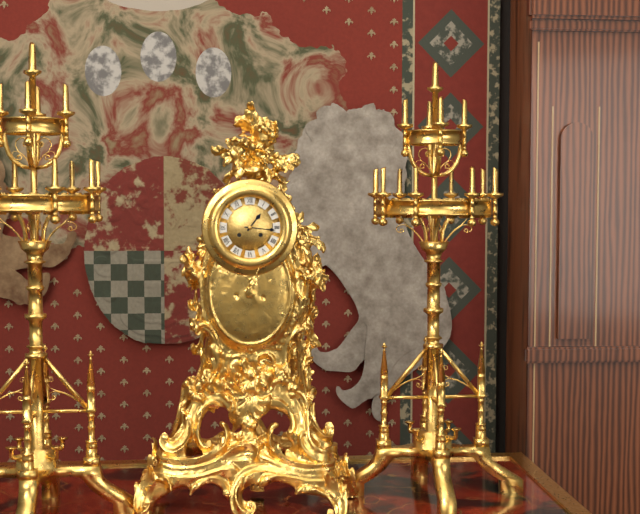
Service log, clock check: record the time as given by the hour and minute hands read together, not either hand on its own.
1:16
